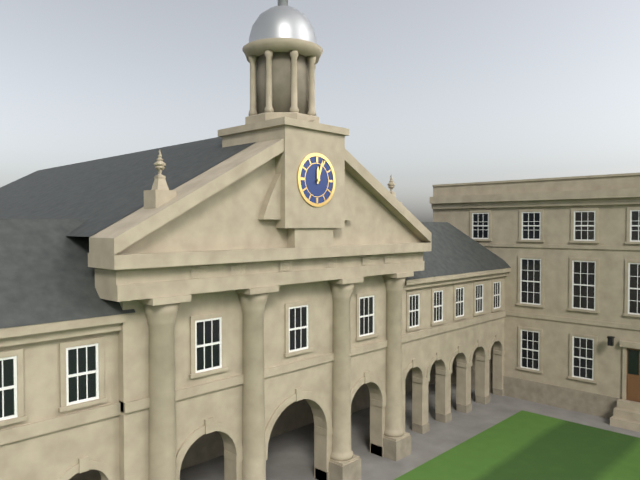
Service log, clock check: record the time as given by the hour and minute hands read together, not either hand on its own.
12:03
